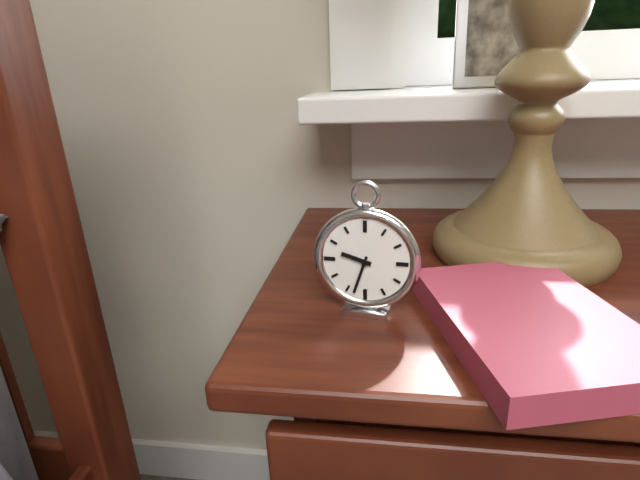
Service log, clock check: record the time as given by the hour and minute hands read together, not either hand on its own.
9:33
